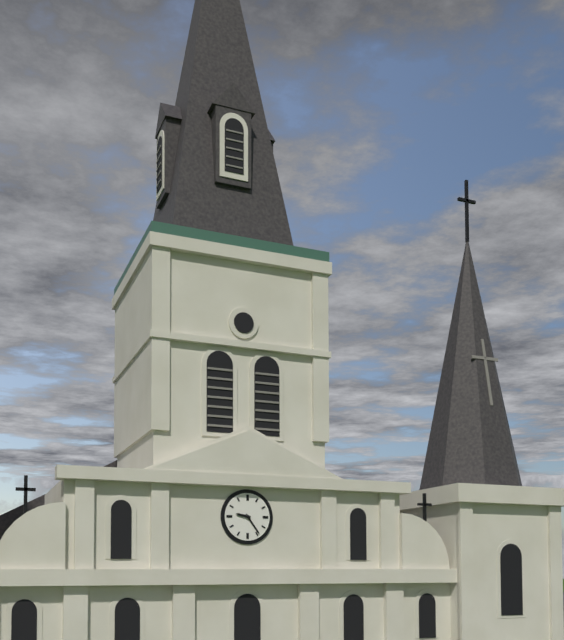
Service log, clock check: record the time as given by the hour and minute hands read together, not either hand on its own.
9:24
